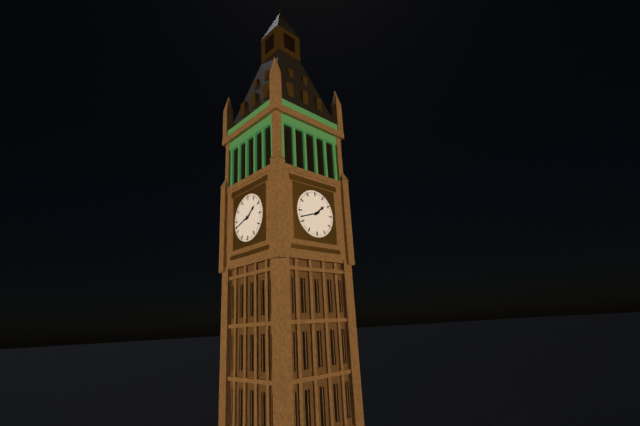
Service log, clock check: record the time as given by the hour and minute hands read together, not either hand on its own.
1:42
